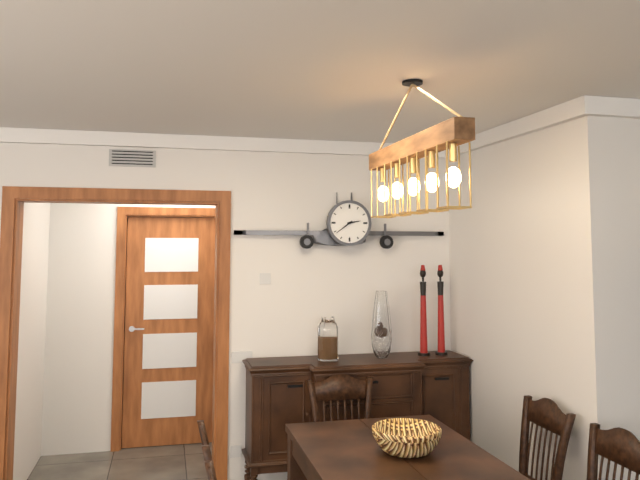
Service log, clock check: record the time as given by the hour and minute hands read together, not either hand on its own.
2:39
